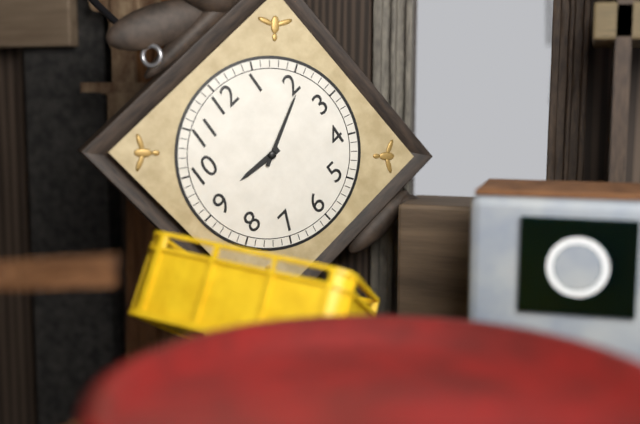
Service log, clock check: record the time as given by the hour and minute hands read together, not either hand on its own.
9:11
